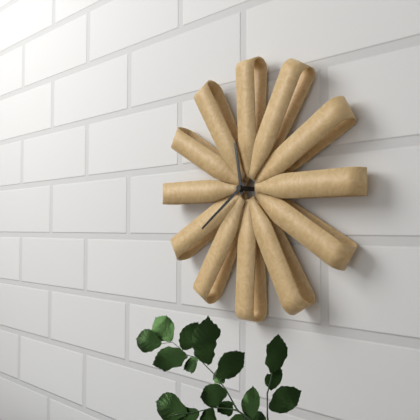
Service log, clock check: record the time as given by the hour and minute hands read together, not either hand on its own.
11:39
